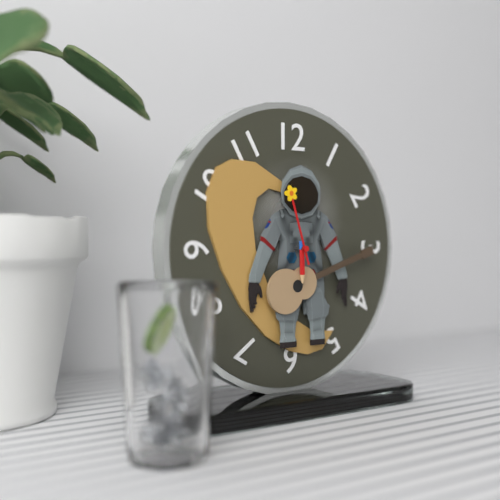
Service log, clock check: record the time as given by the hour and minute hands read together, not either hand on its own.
5:57
